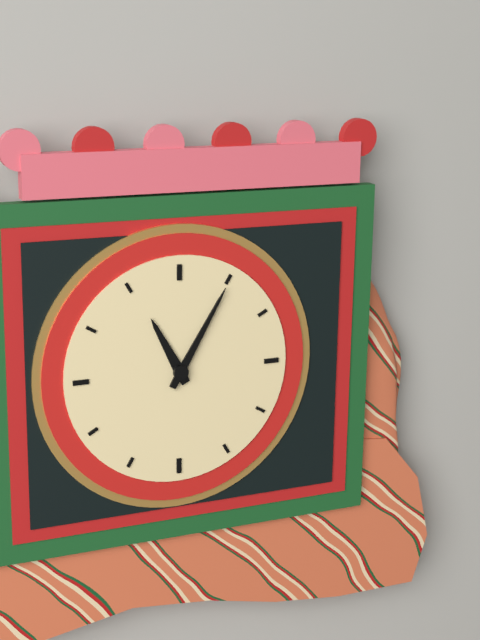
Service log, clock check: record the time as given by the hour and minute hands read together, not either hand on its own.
11:05
